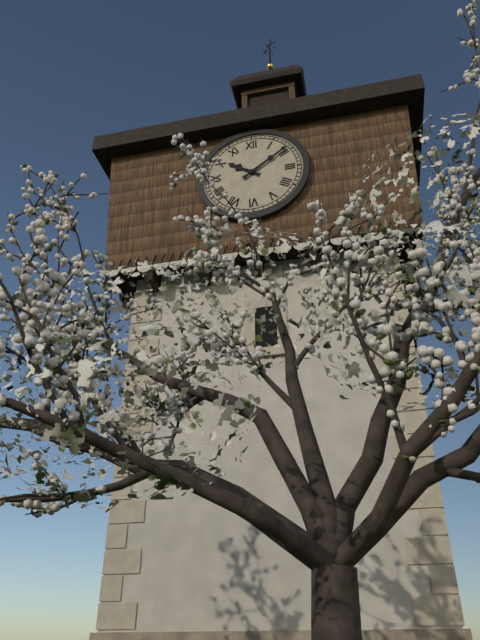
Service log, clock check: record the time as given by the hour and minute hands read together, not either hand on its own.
10:09
